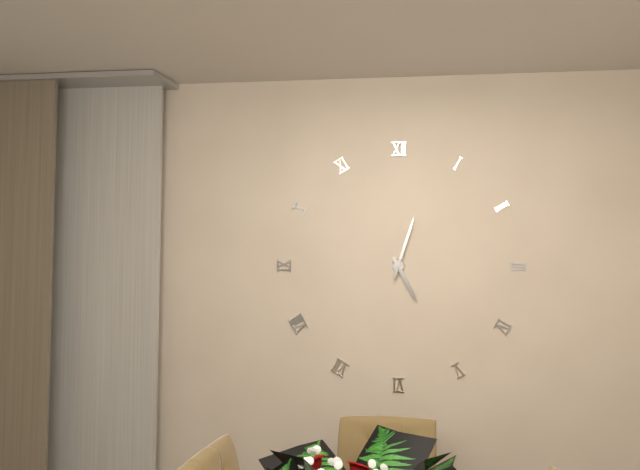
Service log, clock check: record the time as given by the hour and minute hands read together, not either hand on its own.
5:03
